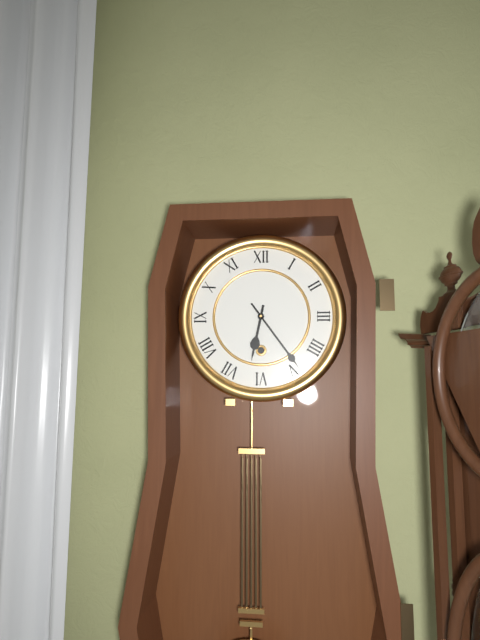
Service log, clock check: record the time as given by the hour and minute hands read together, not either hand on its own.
6:24
